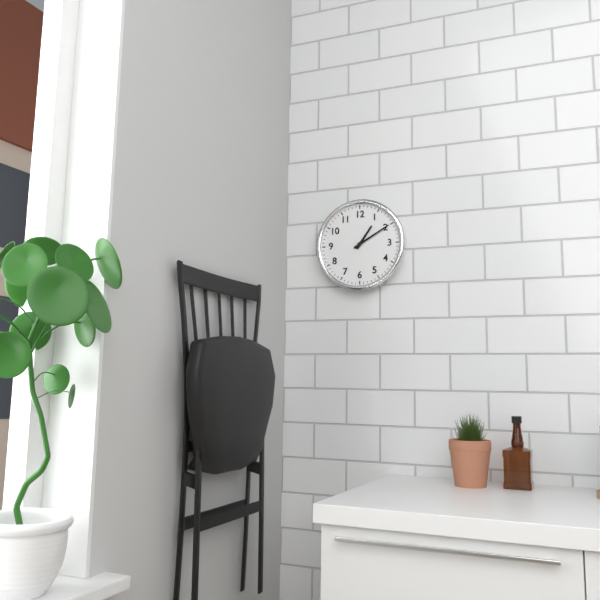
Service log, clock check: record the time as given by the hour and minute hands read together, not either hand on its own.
1:10
